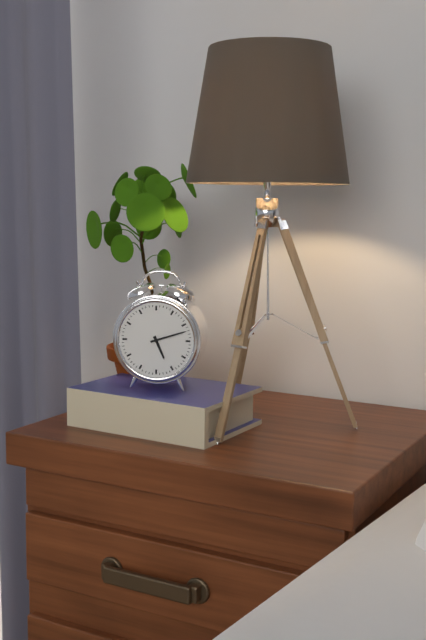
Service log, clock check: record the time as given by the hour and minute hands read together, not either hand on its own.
5:12
